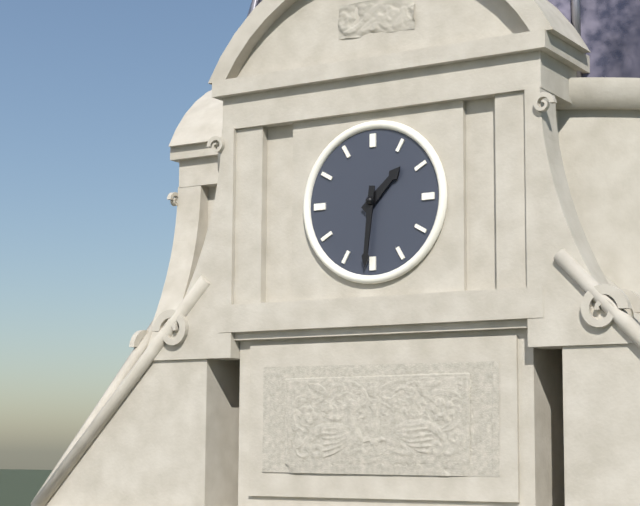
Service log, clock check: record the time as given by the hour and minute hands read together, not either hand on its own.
1:31
